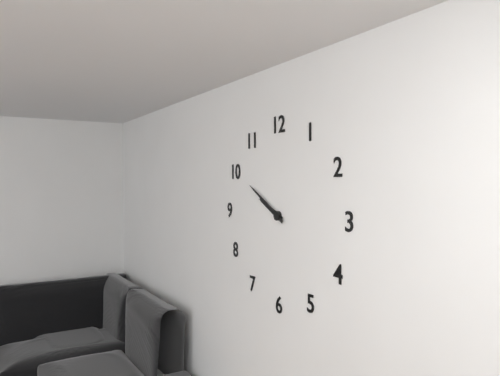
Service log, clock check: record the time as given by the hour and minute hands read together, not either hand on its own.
9:50
